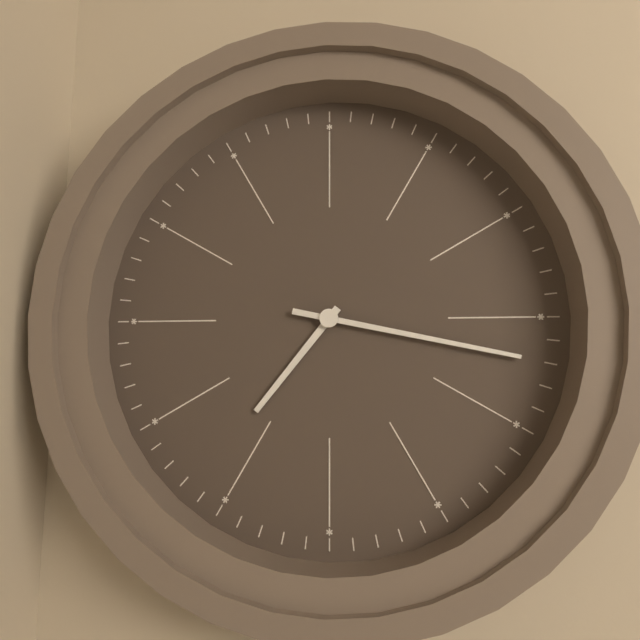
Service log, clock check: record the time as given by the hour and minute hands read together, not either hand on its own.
7:17
